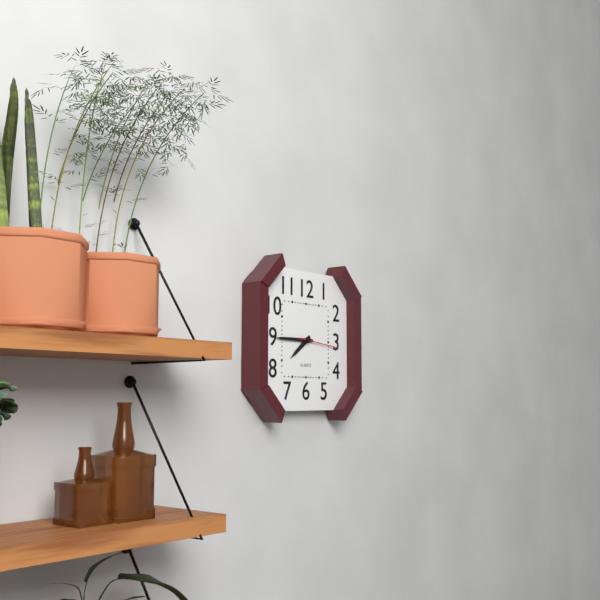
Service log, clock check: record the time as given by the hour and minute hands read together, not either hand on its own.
7:45
